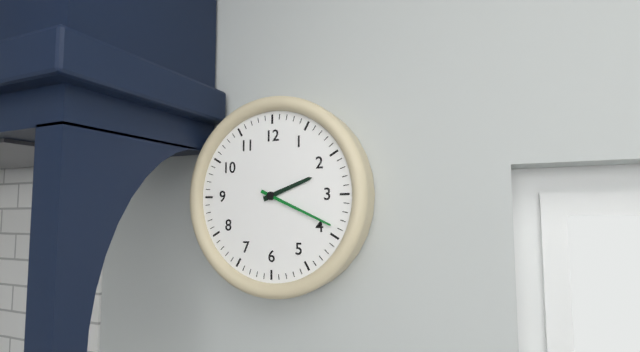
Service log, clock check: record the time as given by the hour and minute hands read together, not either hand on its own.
2:19
